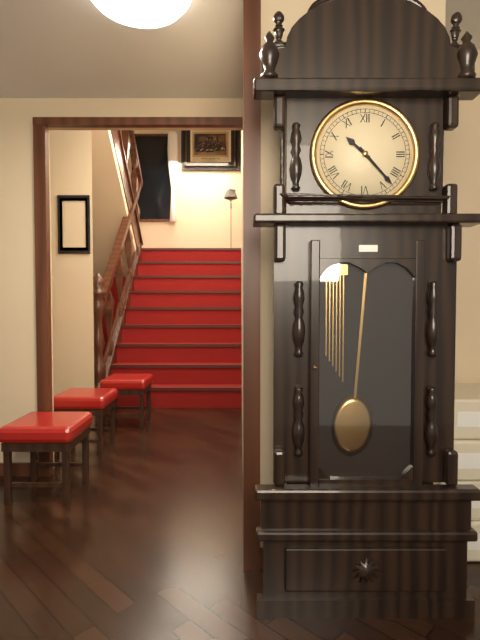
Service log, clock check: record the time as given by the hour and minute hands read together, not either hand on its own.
10:23
